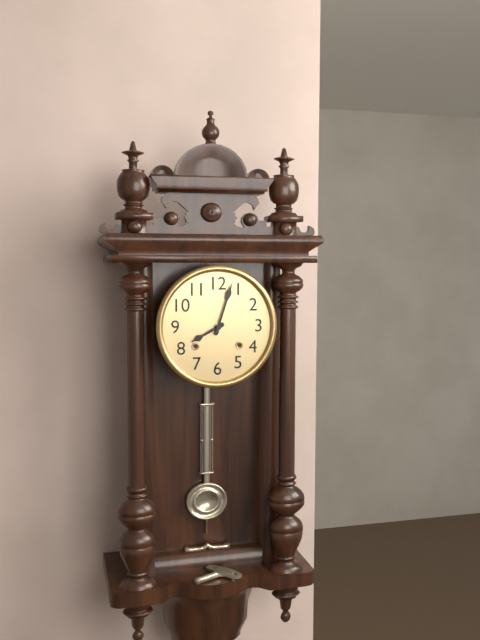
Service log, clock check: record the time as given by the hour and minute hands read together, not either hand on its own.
8:03
